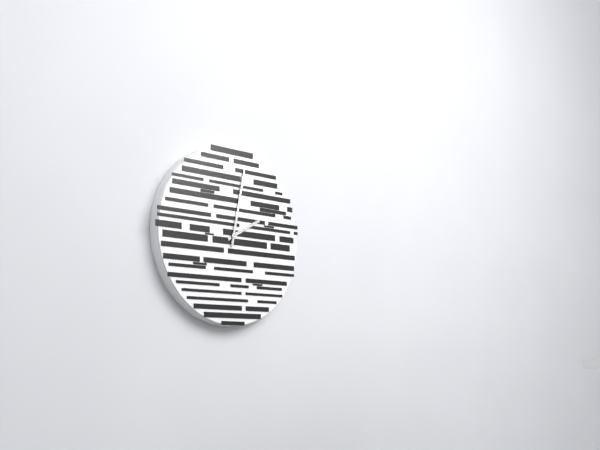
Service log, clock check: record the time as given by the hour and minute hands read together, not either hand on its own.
2:02
